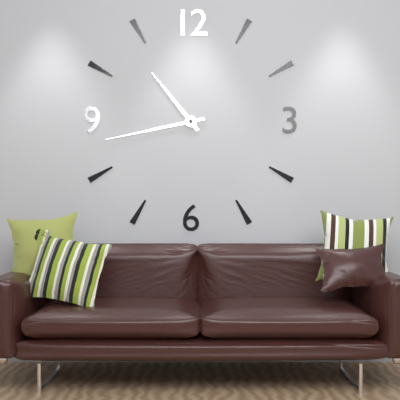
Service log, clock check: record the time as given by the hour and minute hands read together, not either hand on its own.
10:43
